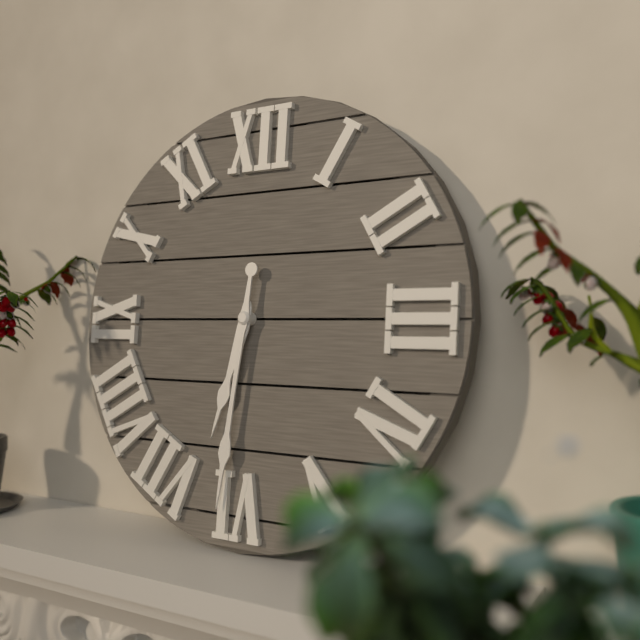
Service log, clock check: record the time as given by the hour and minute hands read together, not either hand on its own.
6:31
